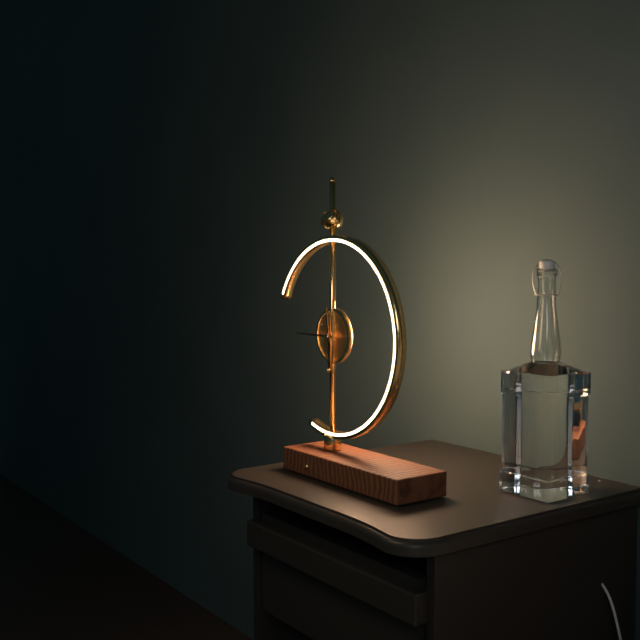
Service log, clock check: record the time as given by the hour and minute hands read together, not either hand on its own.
11:45
